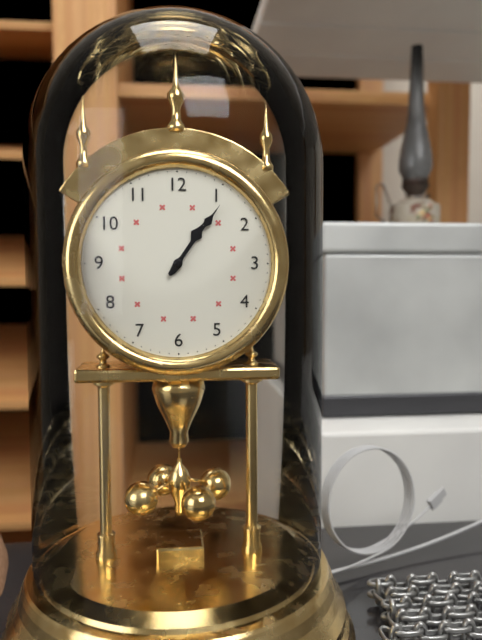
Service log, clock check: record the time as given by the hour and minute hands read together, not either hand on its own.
1:06
